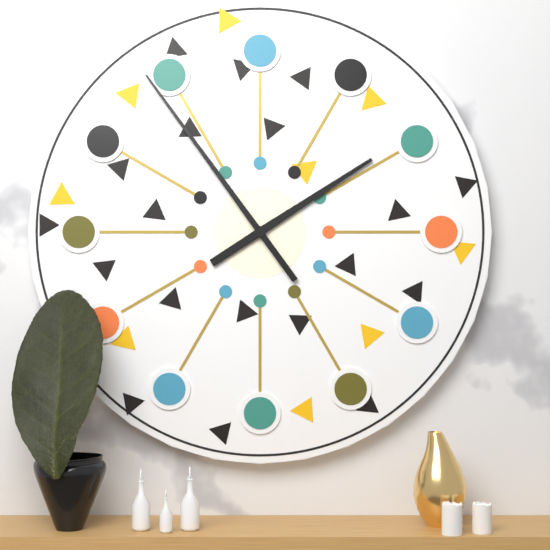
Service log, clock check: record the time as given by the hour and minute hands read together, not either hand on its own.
1:54
